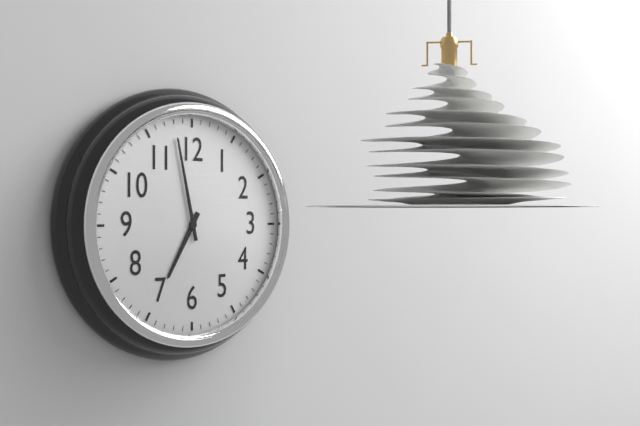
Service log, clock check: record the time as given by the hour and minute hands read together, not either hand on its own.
6:58
